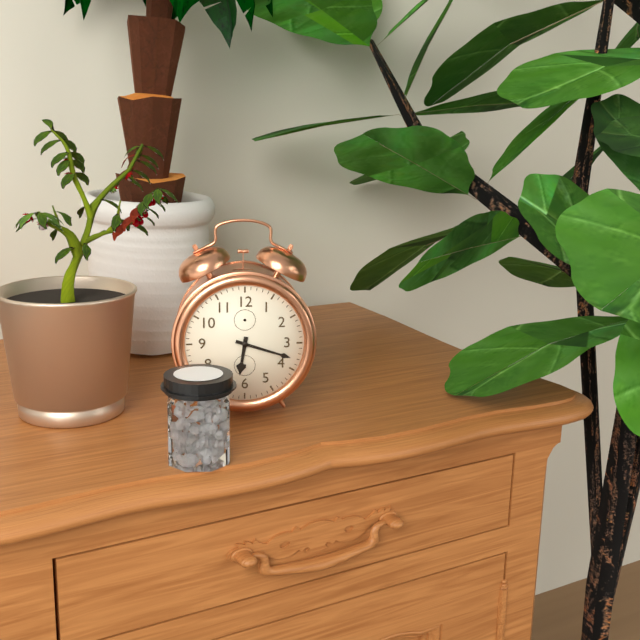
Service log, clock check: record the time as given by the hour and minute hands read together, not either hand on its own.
6:18
